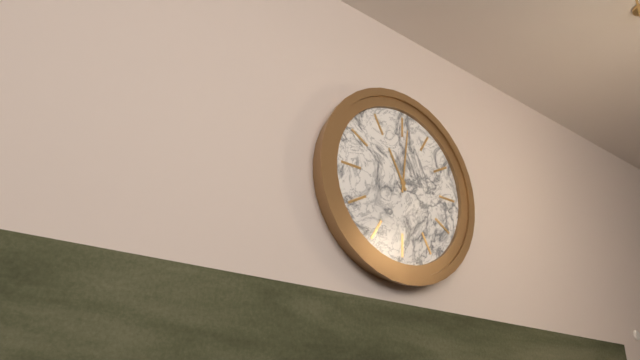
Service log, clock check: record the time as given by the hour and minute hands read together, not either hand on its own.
11:01
